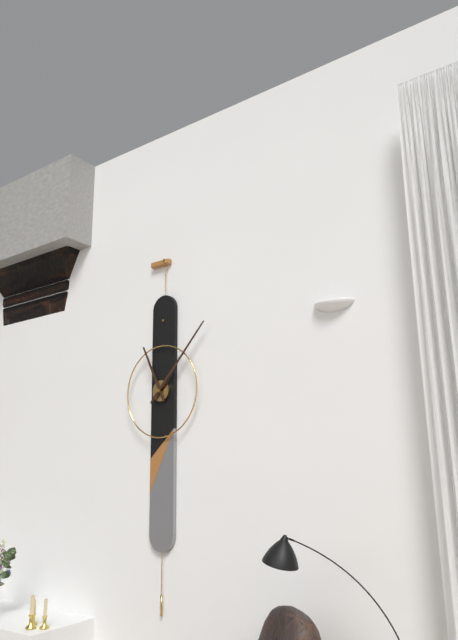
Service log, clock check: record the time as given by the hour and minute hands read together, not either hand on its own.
11:07
